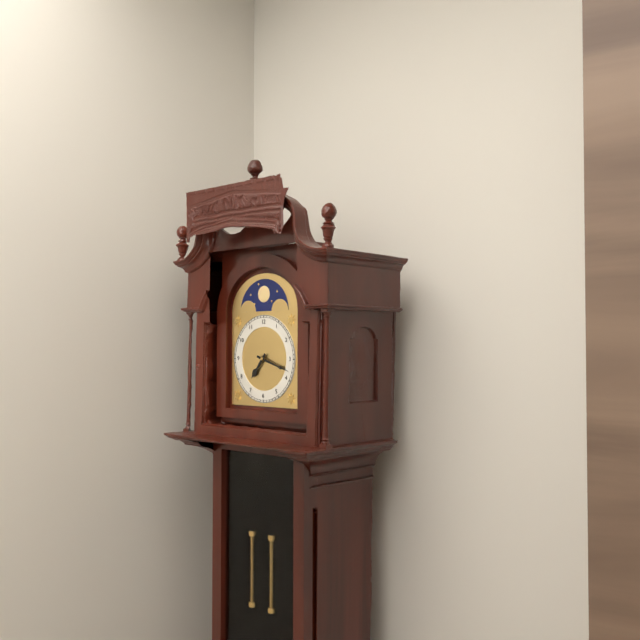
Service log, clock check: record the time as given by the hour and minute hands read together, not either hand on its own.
7:18
